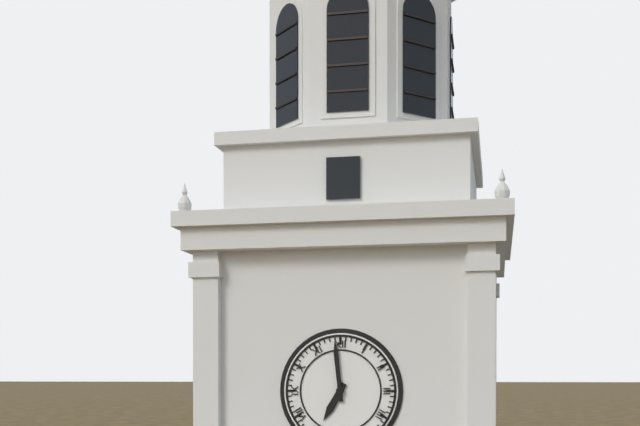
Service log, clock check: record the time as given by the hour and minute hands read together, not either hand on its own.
6:59
